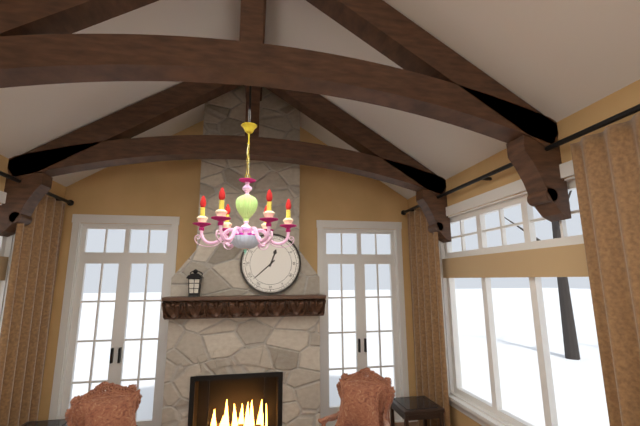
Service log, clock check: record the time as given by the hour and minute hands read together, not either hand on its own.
12:38
